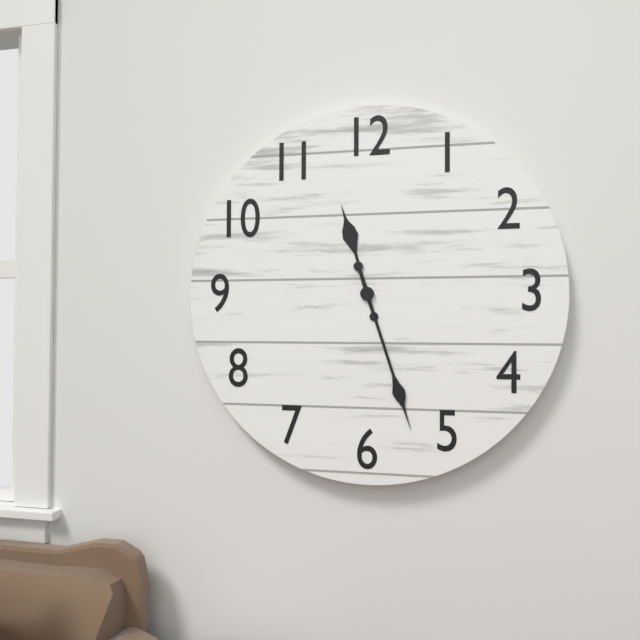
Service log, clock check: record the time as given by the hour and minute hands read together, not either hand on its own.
11:27
